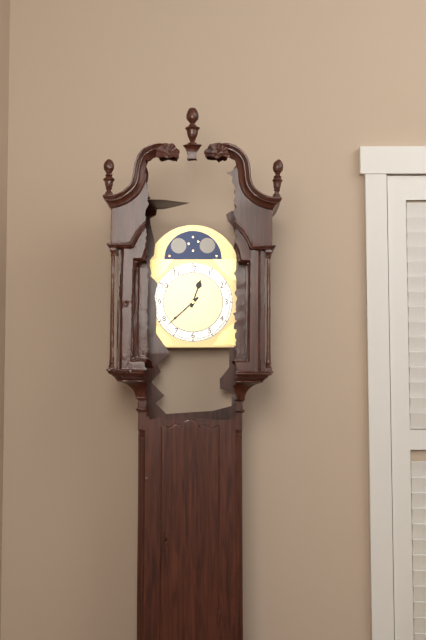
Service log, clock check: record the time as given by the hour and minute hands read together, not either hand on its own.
12:38
